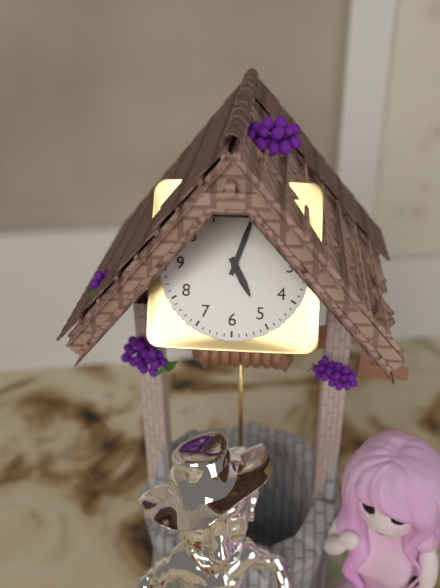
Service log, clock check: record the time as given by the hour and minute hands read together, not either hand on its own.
5:03
